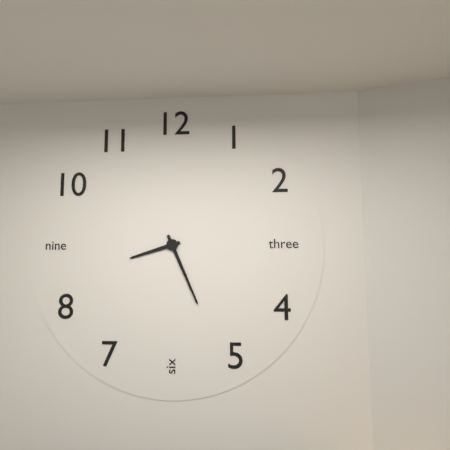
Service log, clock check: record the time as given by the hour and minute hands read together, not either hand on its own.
8:26
